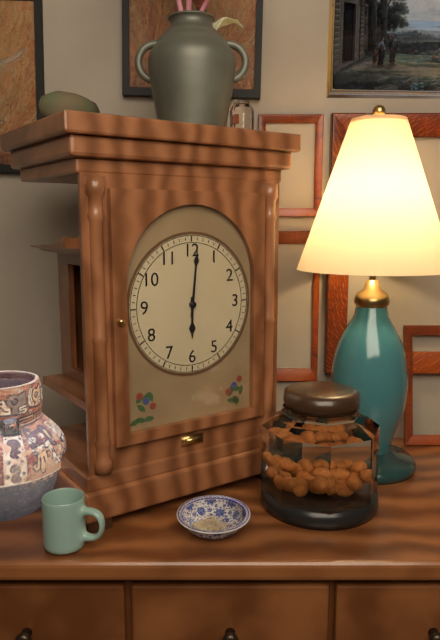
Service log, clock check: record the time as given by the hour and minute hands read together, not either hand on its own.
6:01
